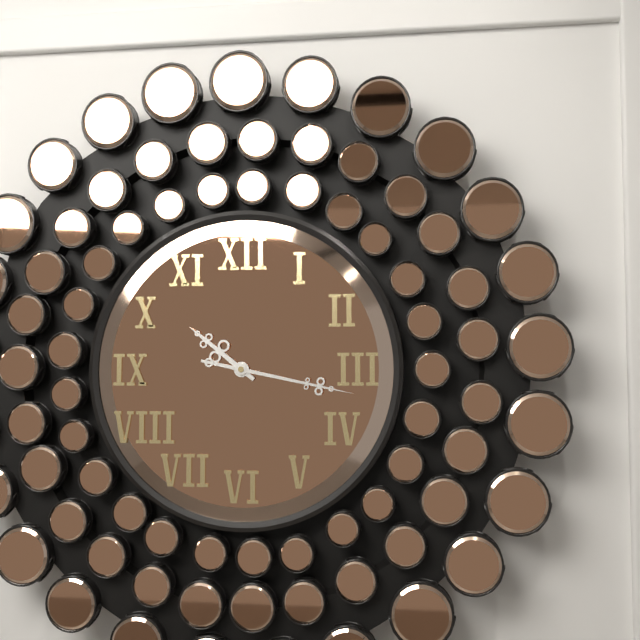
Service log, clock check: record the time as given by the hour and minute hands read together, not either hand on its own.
10:17
